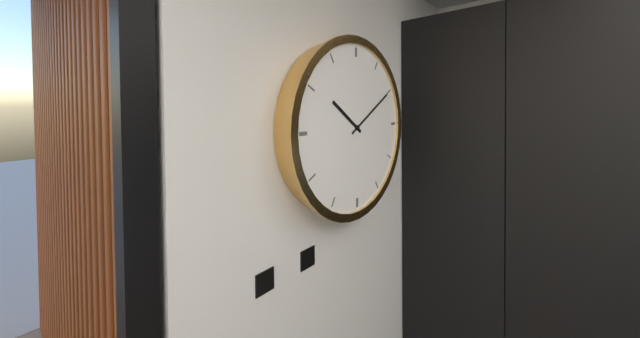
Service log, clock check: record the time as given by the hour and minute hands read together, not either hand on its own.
10:10
